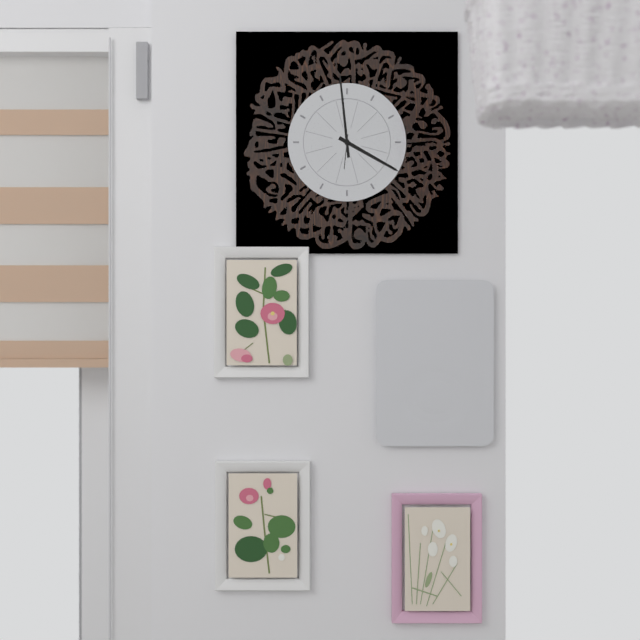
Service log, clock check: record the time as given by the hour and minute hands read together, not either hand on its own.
3:59
